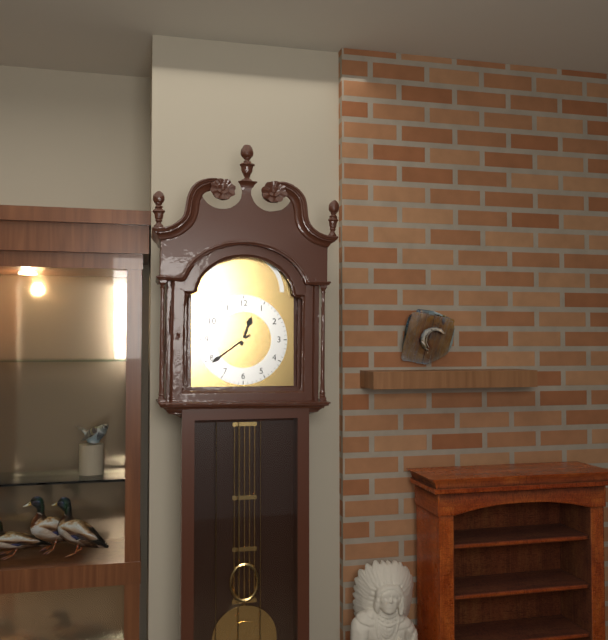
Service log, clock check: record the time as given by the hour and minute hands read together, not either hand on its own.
12:39
